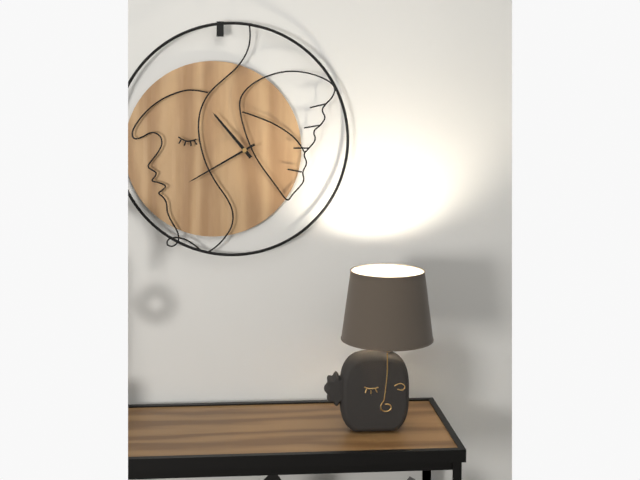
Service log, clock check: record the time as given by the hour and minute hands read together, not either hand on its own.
10:40
